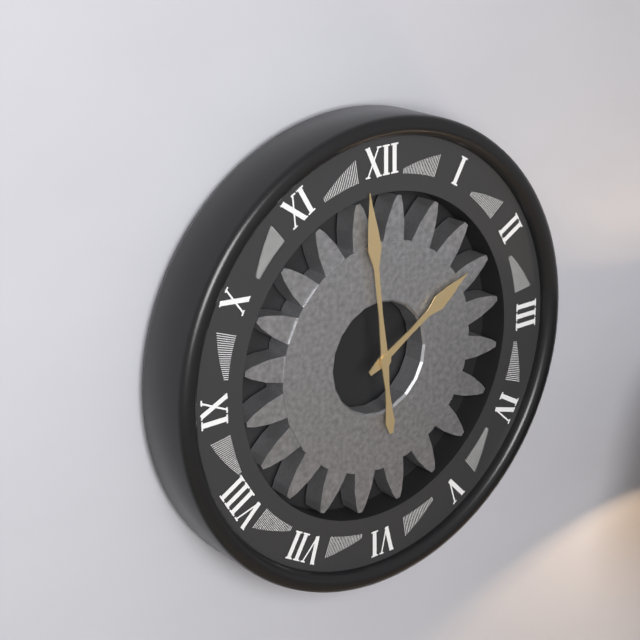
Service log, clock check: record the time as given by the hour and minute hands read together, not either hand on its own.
1:59
